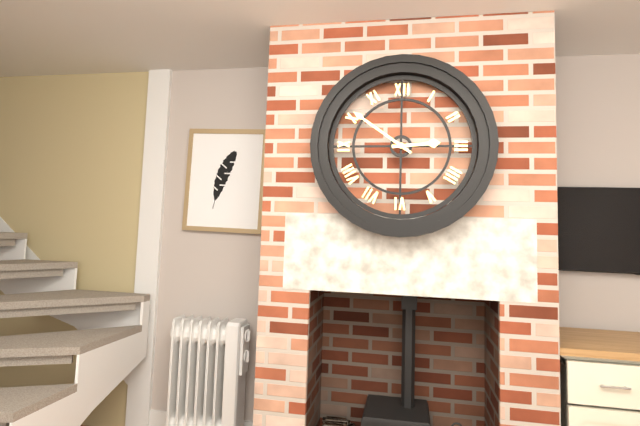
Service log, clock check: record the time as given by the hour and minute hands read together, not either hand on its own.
2:51
